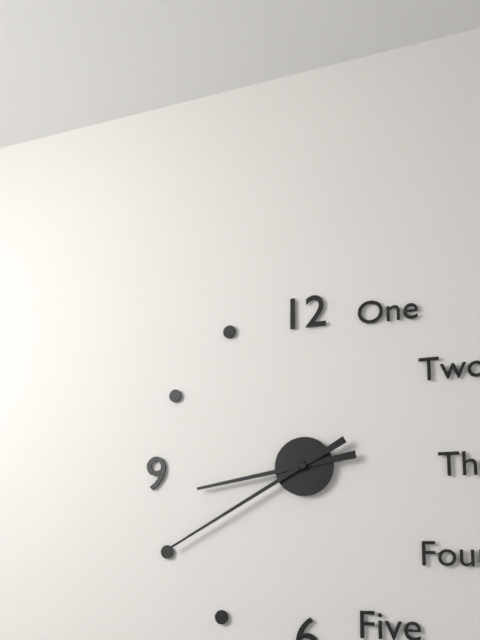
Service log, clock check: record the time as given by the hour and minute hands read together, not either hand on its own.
8:40
